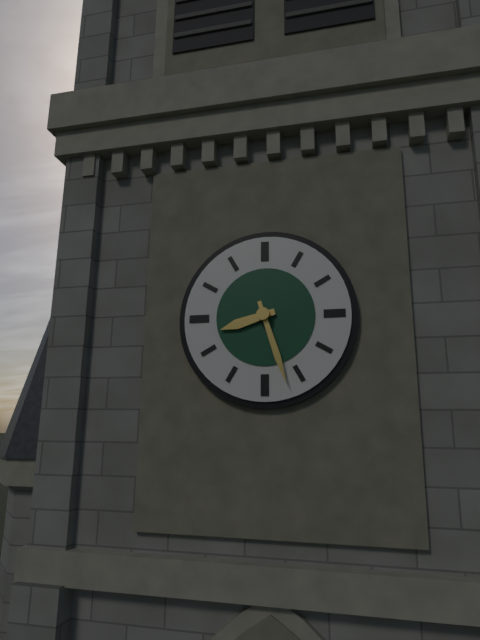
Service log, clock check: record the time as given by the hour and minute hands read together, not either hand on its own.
8:27
